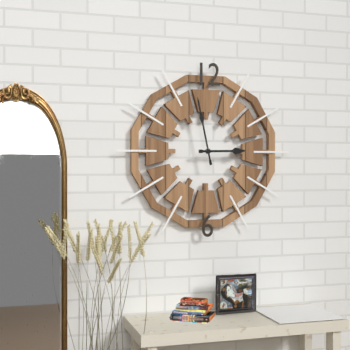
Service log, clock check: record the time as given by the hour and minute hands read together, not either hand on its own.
2:58
